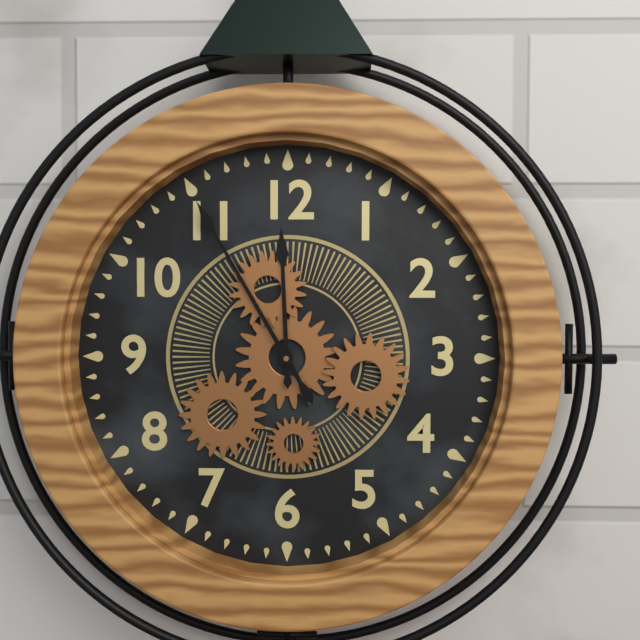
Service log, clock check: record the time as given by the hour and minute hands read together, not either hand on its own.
11:55
